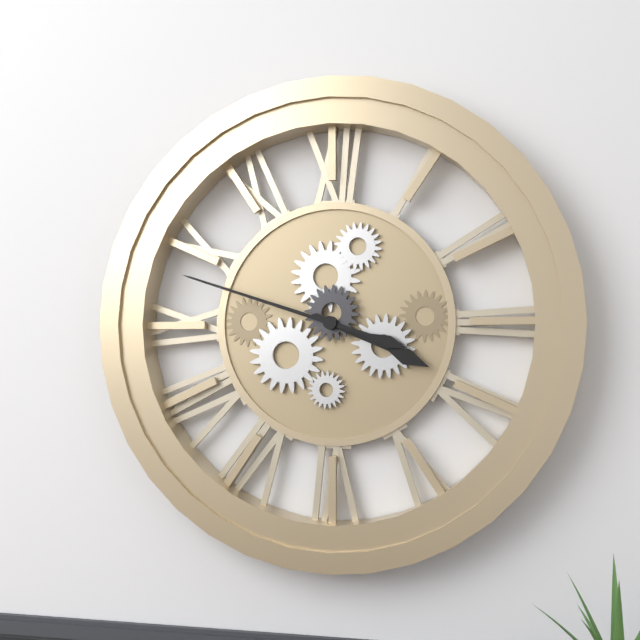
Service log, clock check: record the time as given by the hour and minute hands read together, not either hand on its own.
3:48
